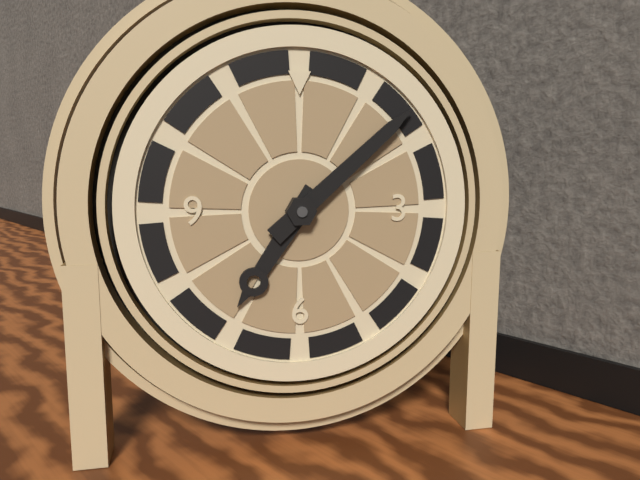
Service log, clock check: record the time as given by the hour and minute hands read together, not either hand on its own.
7:08
